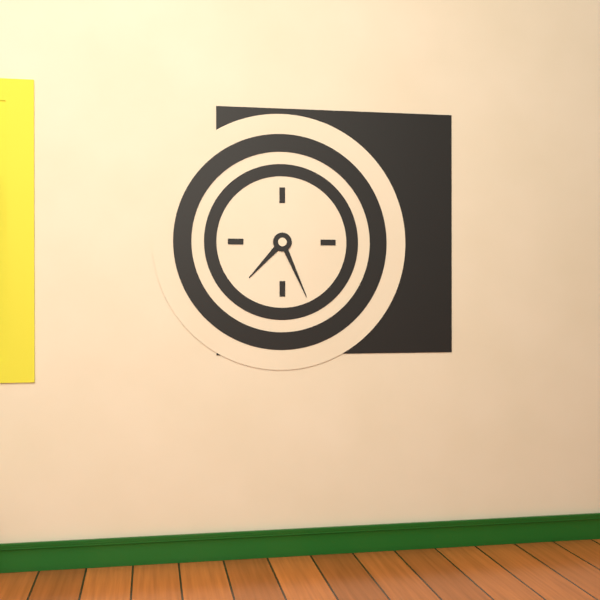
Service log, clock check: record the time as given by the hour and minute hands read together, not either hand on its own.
7:26
